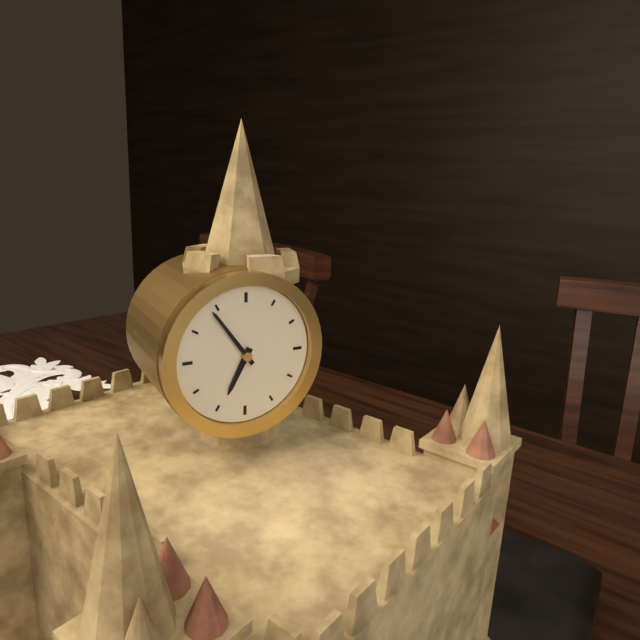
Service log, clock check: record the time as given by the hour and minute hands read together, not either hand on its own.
6:54
